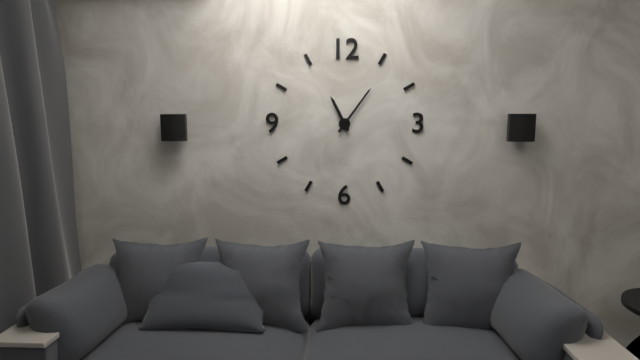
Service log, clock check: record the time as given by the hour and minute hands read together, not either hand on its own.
11:06
